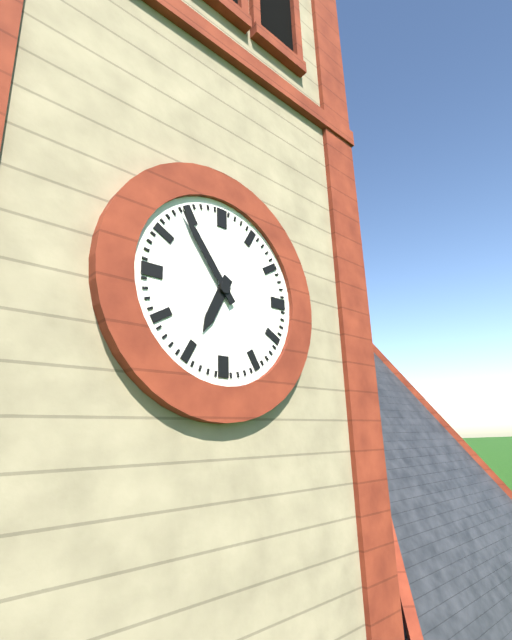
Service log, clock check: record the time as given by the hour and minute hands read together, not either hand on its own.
6:54
